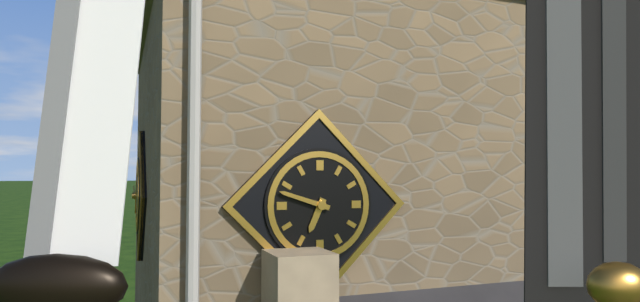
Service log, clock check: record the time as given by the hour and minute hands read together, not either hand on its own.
6:48
